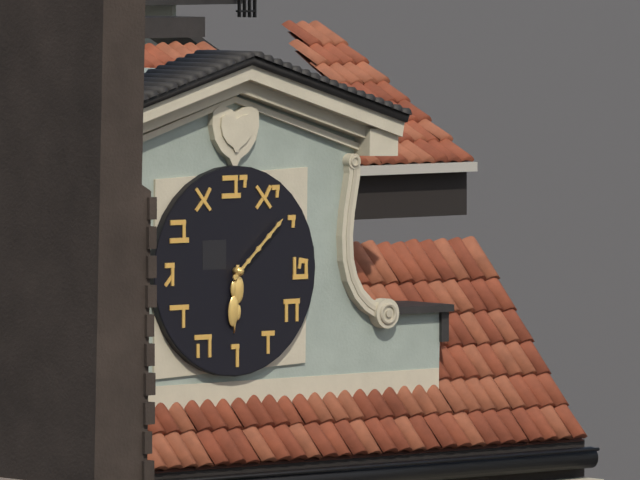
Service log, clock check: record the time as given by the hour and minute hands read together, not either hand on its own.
6:08
